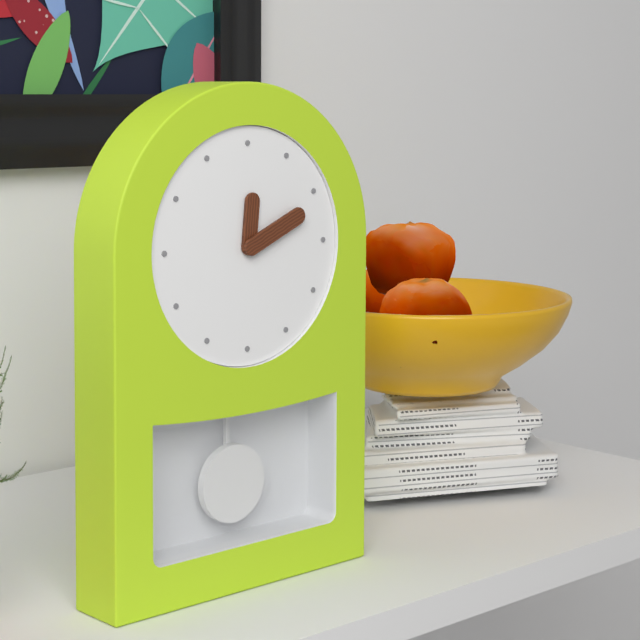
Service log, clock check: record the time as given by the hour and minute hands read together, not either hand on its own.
12:11
